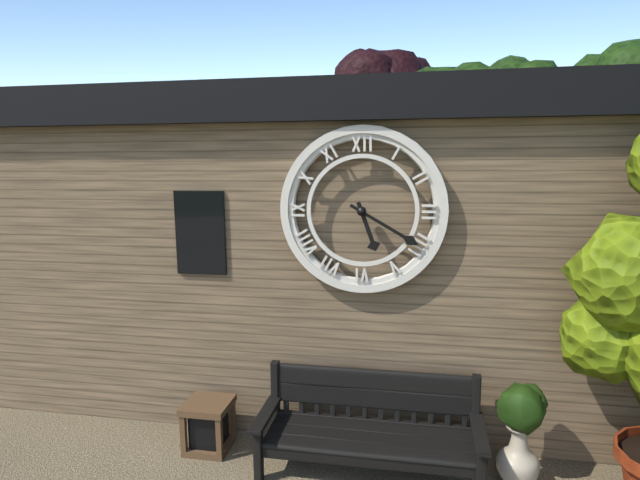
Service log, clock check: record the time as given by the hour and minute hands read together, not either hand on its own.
5:20
